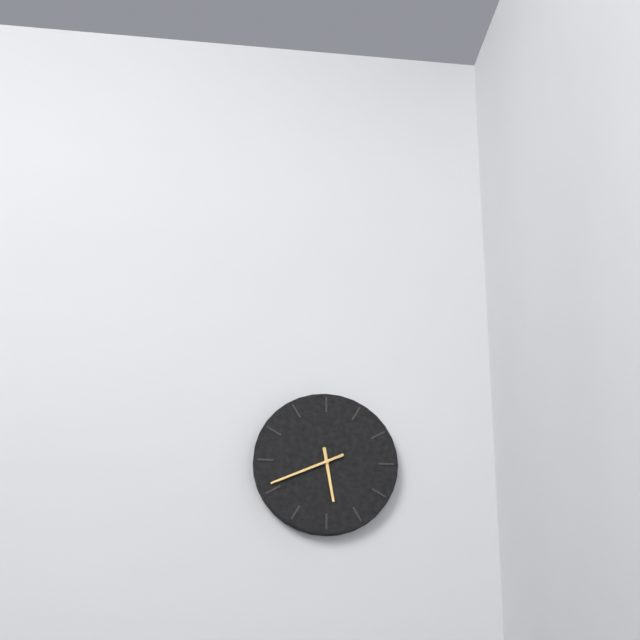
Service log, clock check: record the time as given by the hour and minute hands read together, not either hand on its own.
5:41
